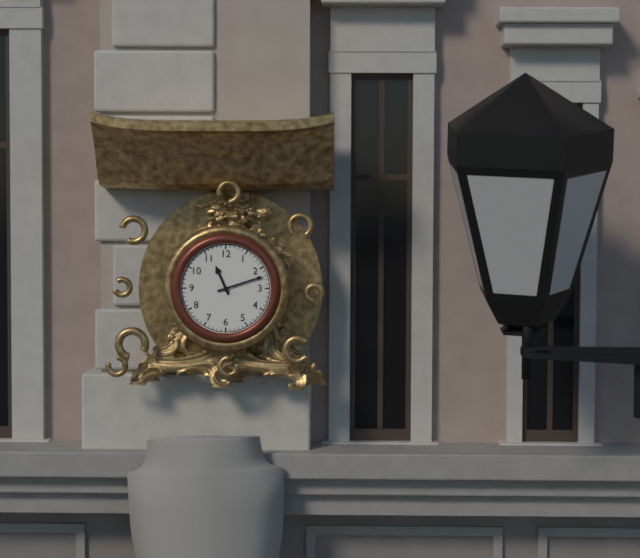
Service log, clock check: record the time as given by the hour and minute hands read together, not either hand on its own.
11:12
